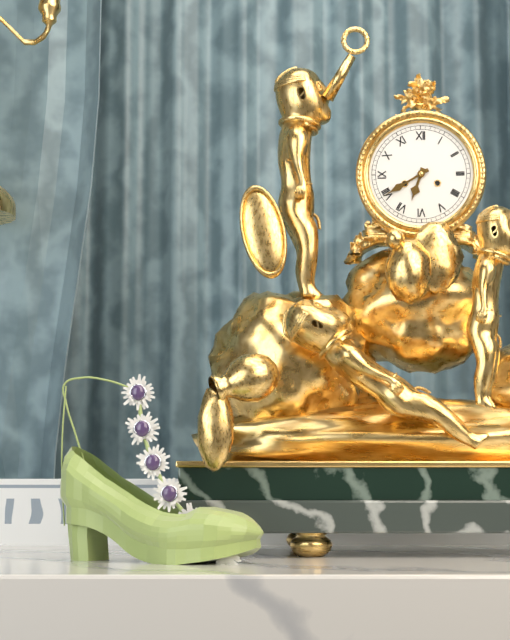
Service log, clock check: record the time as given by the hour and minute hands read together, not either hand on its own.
6:40
